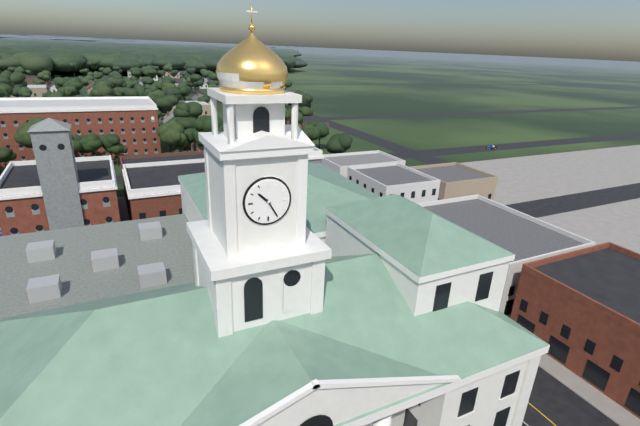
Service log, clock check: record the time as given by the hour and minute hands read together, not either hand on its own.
10:25
